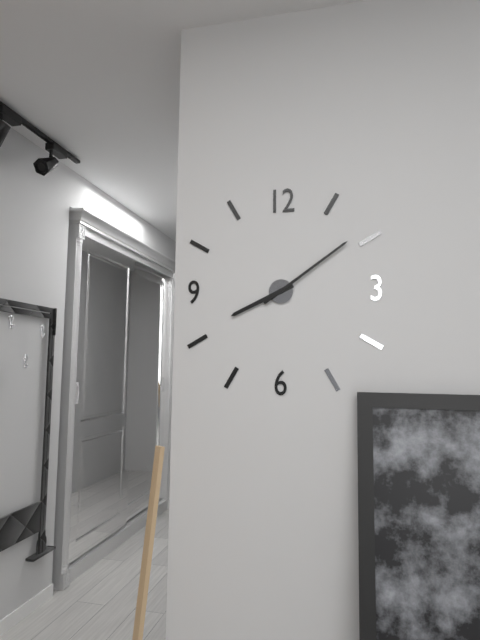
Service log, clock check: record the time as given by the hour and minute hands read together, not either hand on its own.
8:09
